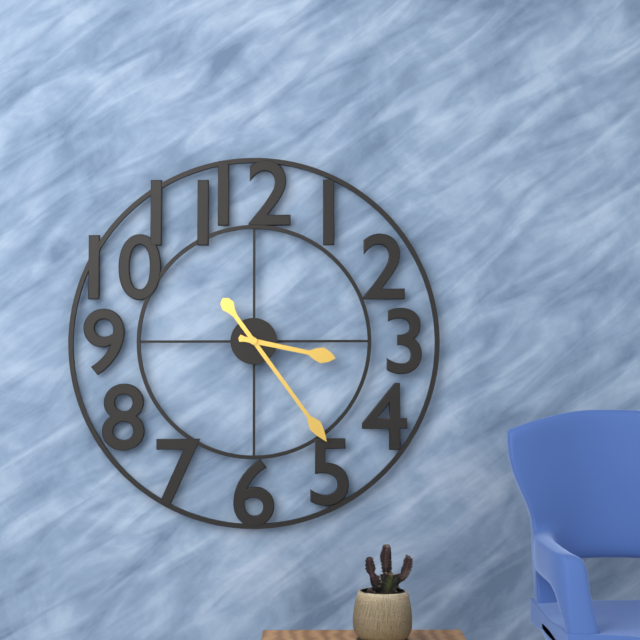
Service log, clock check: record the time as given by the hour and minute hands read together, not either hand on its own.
3:24
